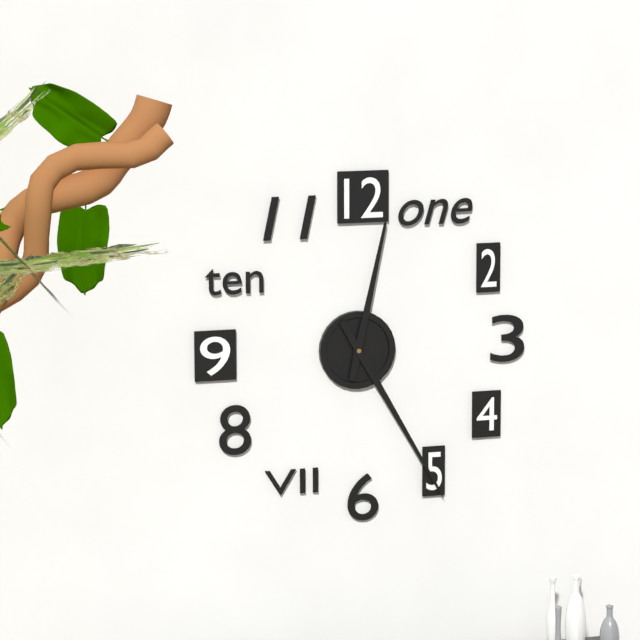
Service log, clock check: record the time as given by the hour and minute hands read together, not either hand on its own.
12:25
